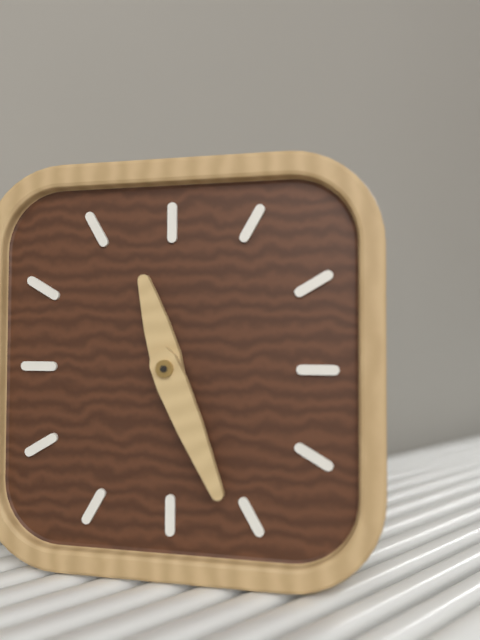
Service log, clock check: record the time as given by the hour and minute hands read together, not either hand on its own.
11:26
